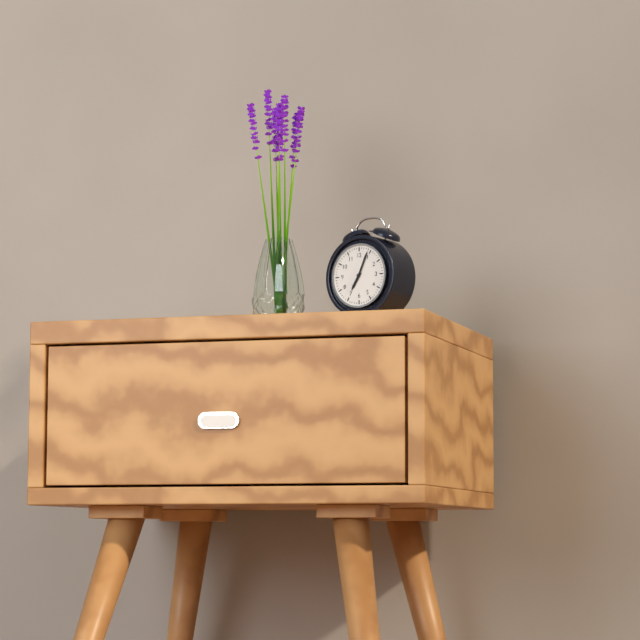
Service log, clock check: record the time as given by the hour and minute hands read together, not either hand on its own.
7:04
